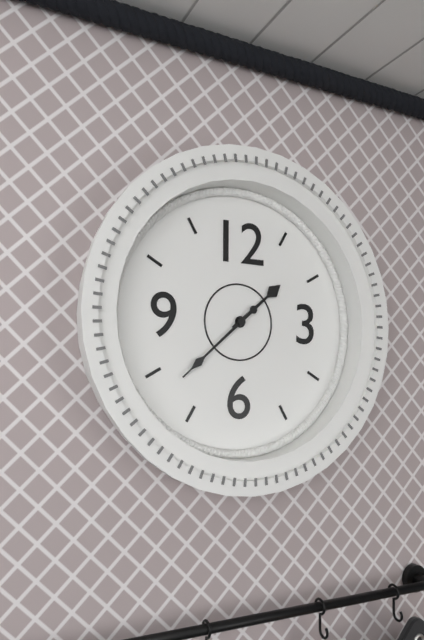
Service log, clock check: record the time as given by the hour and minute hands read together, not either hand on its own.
1:38
